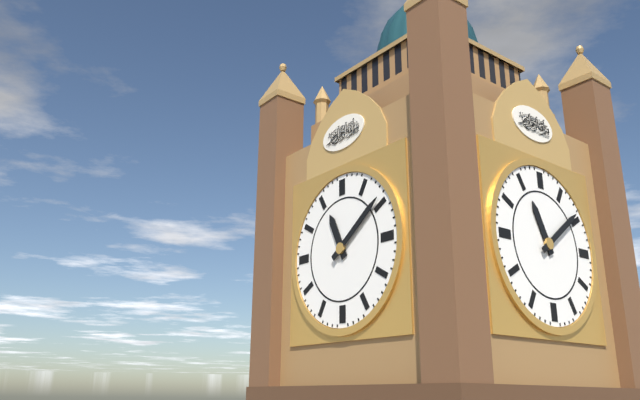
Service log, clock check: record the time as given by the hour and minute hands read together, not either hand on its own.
11:09
